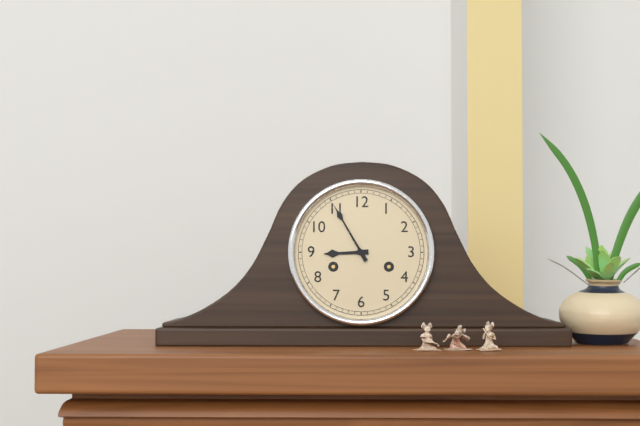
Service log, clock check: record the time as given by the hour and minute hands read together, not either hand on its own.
8:55
